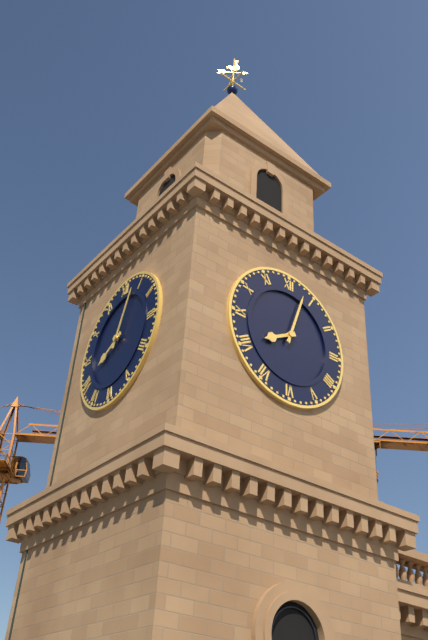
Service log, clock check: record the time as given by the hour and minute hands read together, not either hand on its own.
8:03
